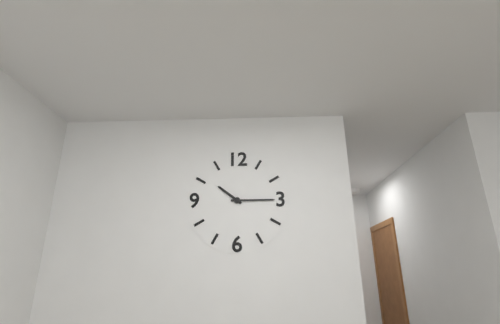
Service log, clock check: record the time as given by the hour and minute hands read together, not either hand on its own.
10:15
